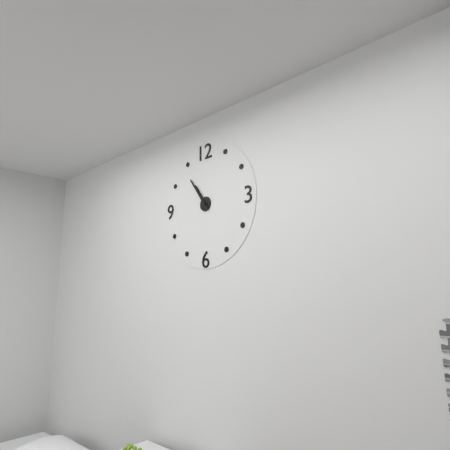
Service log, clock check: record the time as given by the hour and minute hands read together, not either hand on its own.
10:54
